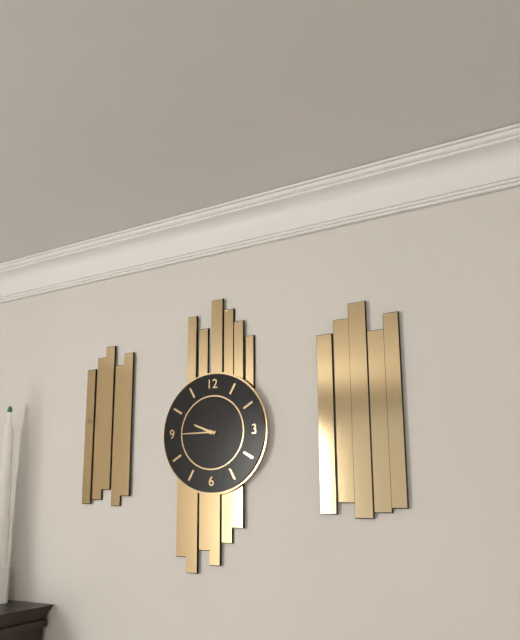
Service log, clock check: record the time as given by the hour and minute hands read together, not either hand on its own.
9:45
